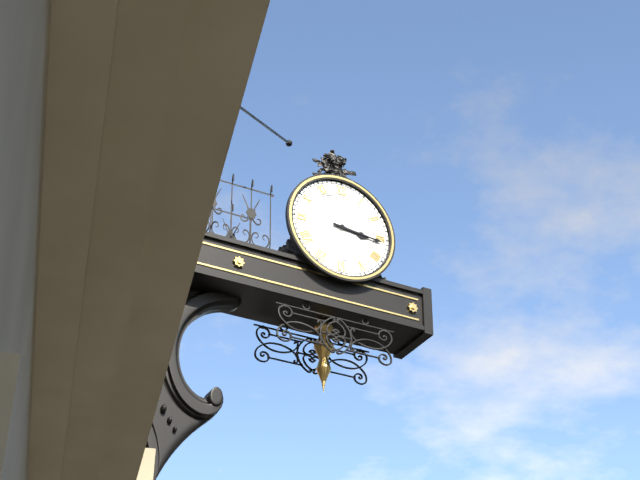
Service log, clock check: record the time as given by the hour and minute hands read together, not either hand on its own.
3:16
